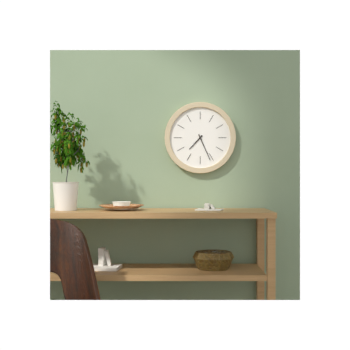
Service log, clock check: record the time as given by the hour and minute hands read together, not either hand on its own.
7:26
